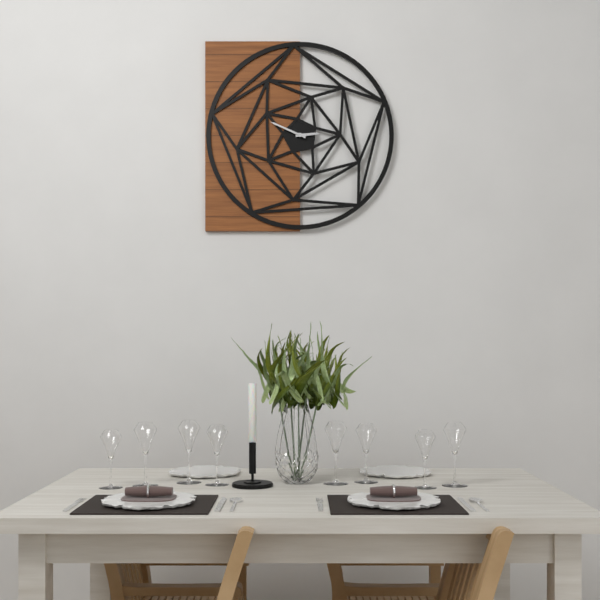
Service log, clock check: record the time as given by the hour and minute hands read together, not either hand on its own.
2:49
